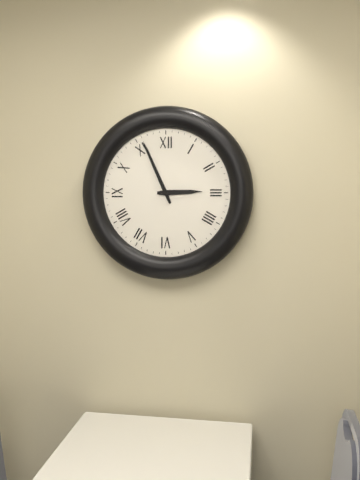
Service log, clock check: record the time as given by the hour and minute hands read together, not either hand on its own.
2:56
